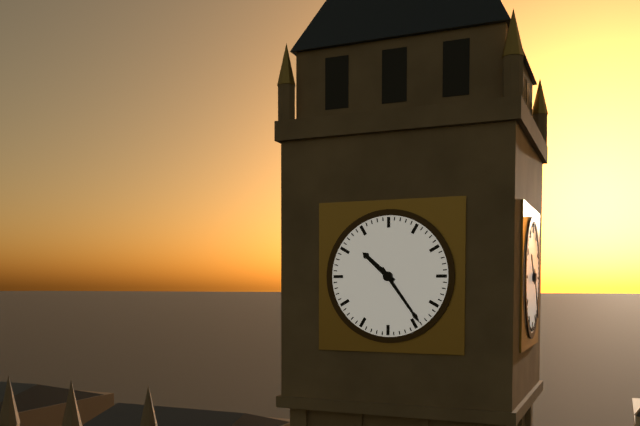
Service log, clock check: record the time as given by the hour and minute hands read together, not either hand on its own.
10:24
